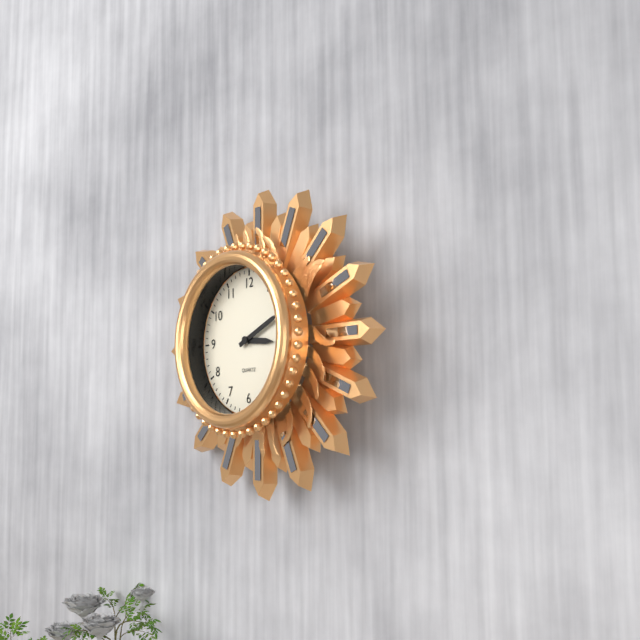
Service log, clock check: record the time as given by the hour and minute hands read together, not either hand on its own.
3:11
